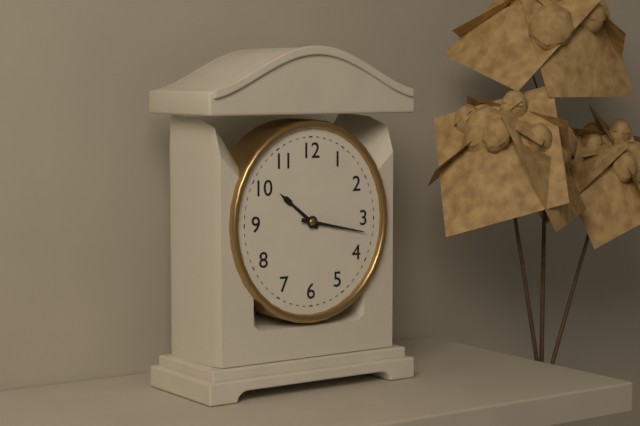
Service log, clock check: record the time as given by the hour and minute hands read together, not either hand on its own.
10:17
